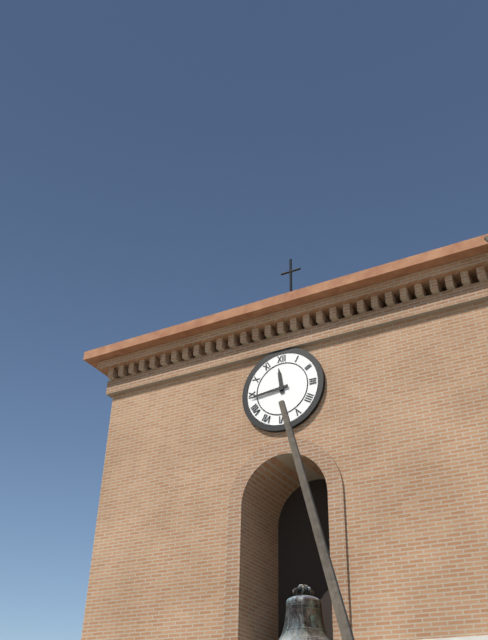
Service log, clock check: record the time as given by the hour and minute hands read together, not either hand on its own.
11:44
